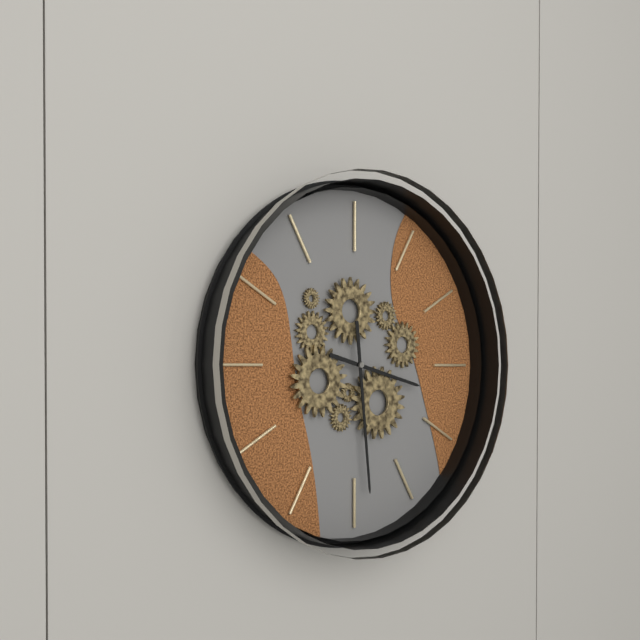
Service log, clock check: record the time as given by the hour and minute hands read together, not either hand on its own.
3:29
